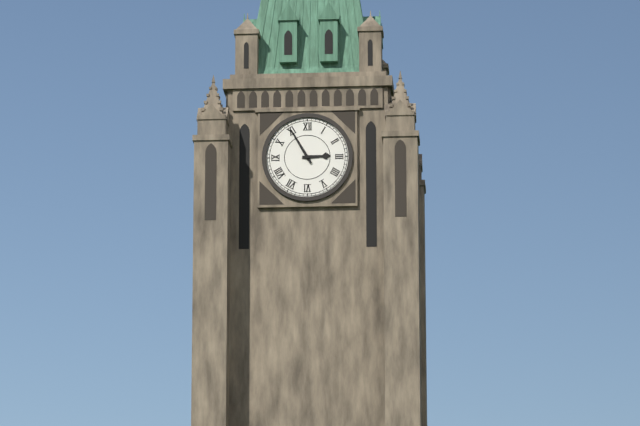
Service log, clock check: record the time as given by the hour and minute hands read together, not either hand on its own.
2:55
